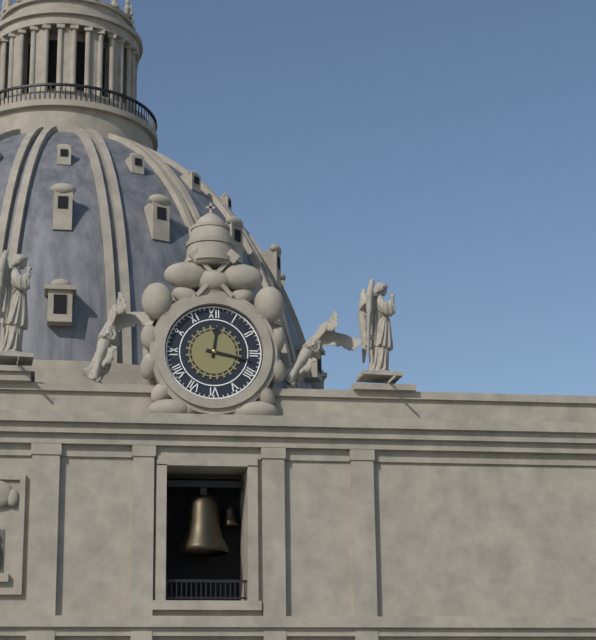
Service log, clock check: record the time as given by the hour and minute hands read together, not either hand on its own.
12:17
